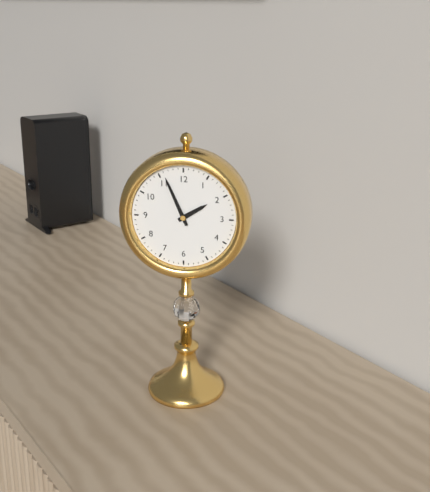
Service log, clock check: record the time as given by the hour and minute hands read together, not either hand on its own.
1:56
